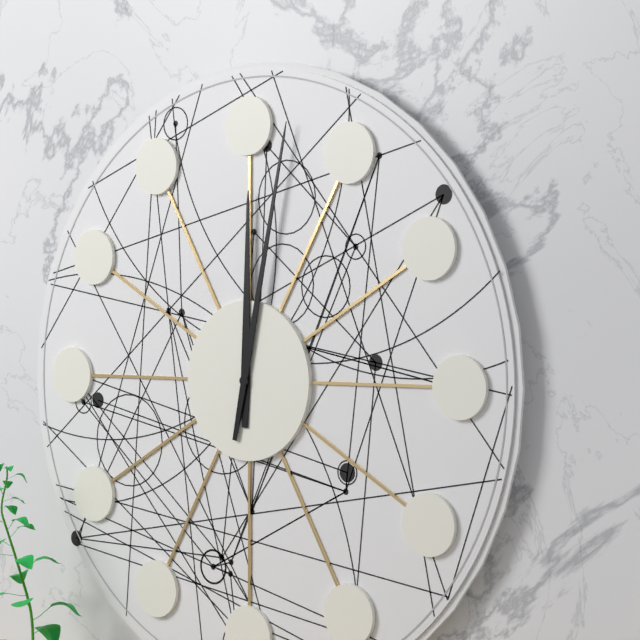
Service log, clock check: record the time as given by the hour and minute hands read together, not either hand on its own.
12:02
